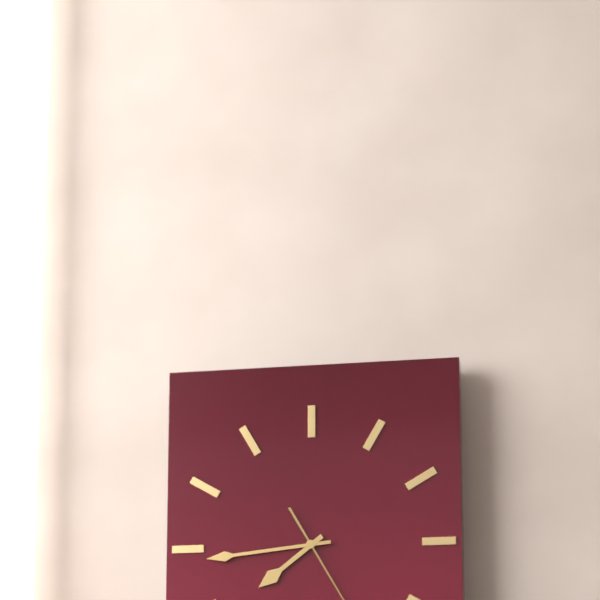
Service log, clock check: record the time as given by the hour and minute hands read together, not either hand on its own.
7:44
